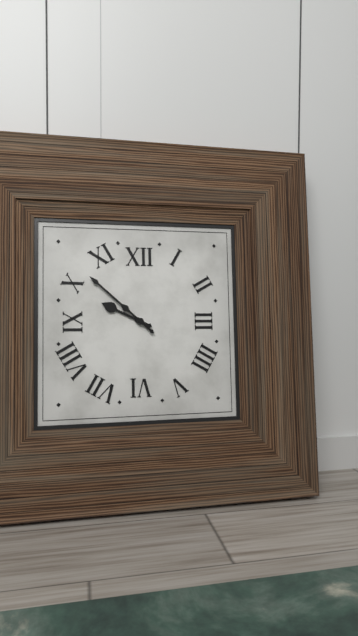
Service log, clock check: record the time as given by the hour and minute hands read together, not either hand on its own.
9:52
